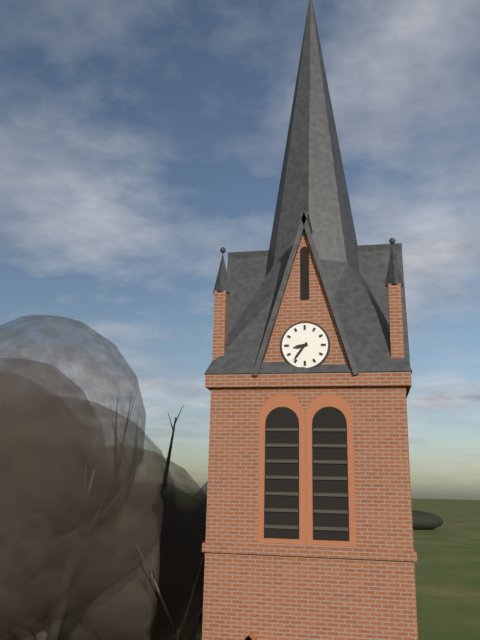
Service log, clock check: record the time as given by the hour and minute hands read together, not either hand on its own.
8:36
